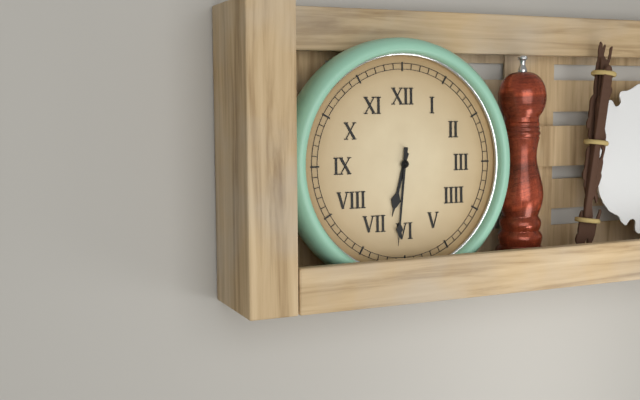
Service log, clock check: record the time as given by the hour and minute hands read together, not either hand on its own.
6:31
